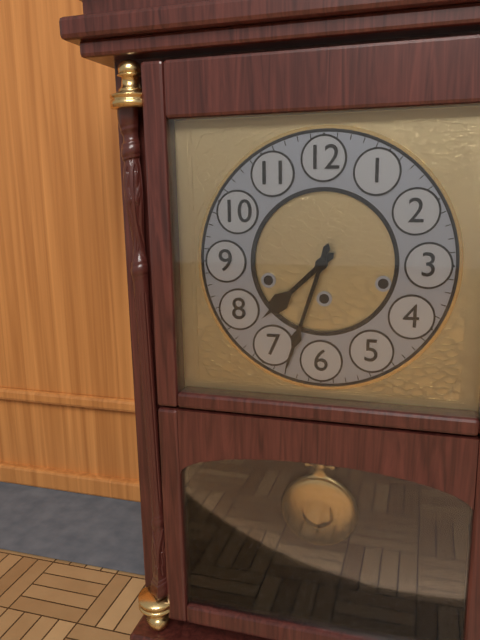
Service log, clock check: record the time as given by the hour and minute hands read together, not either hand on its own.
7:33
